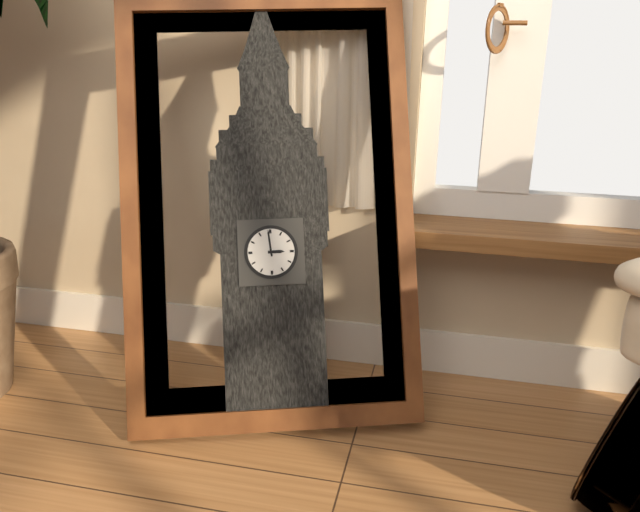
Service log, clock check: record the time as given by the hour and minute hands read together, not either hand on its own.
2:59
